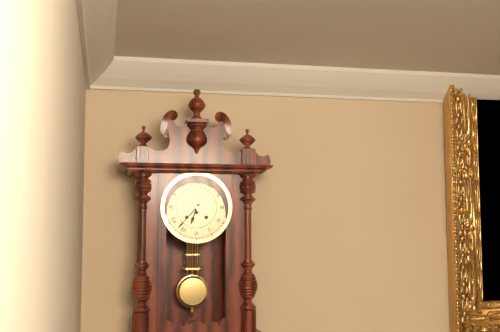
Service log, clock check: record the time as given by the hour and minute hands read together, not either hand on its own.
6:37
